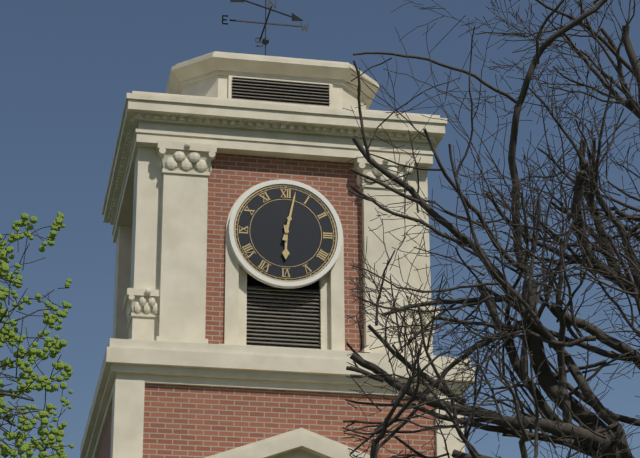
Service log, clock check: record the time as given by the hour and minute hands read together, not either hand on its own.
6:02
